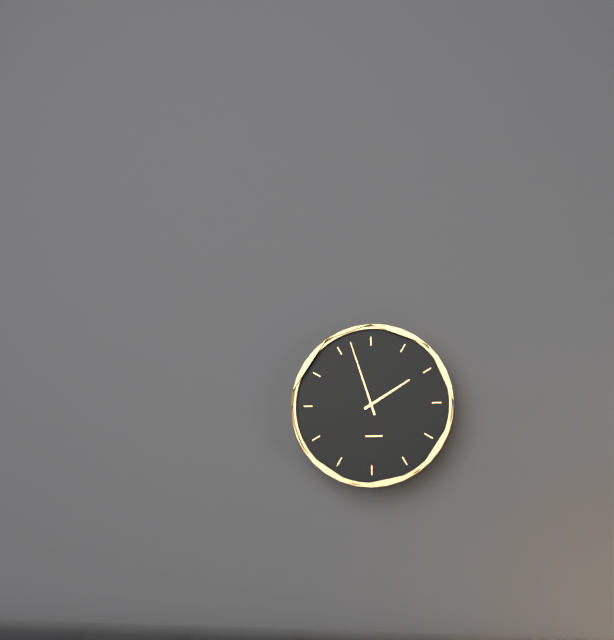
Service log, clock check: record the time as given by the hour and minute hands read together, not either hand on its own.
1:57
